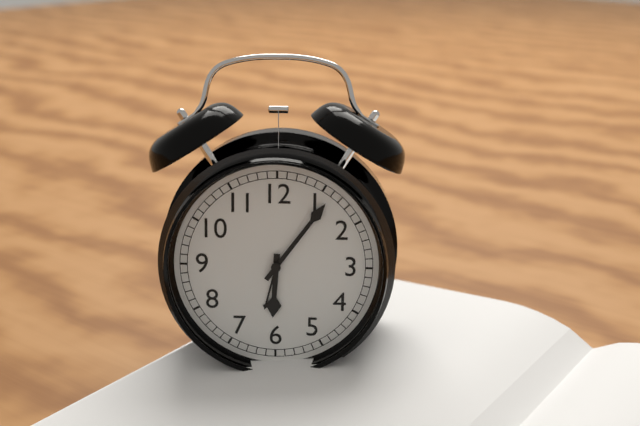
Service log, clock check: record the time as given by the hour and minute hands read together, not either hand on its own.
6:06
